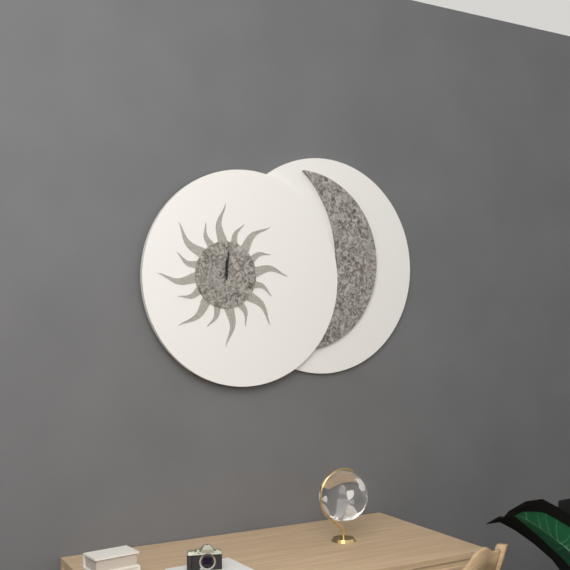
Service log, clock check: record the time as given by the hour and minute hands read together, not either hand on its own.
12:01
